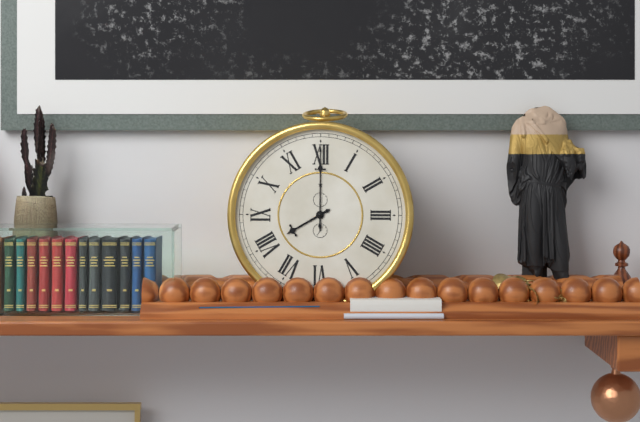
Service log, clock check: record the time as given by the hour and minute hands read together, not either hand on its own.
8:00
